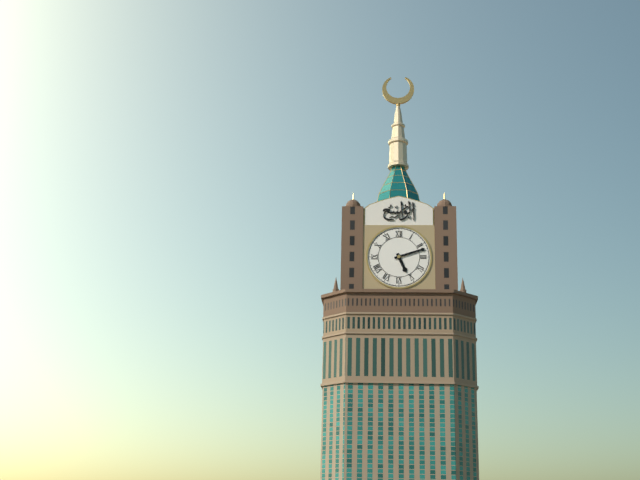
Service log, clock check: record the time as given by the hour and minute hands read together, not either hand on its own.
5:12
